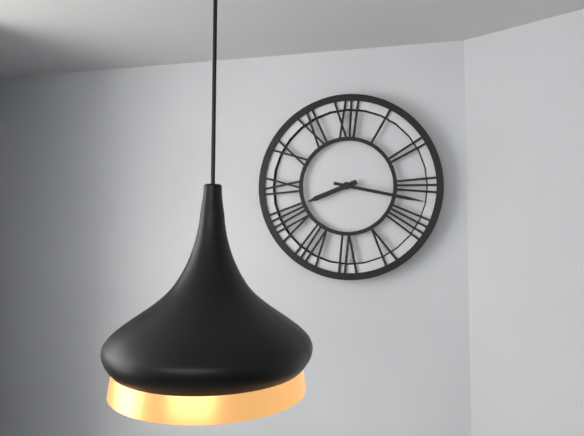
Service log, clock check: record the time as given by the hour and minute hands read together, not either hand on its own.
8:17
